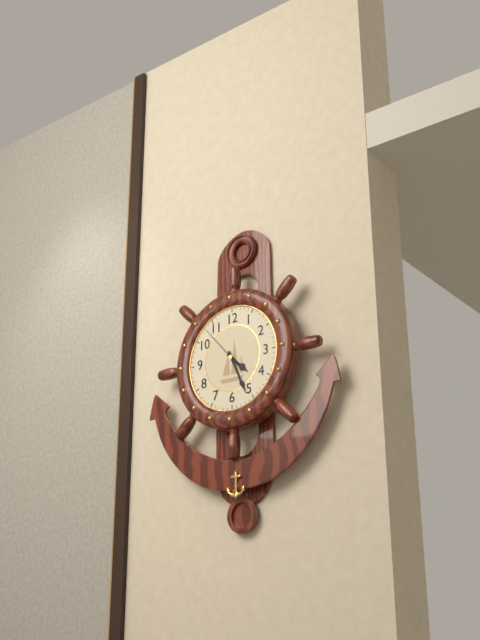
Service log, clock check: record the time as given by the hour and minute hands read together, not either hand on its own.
4:26
